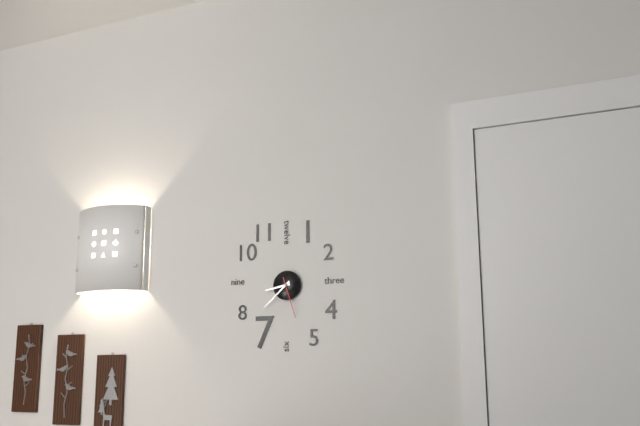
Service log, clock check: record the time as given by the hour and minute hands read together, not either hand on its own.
8:38
